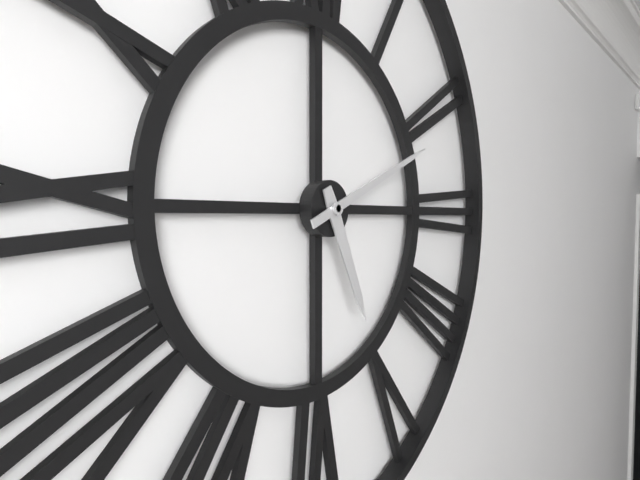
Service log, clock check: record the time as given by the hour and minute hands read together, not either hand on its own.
5:11
